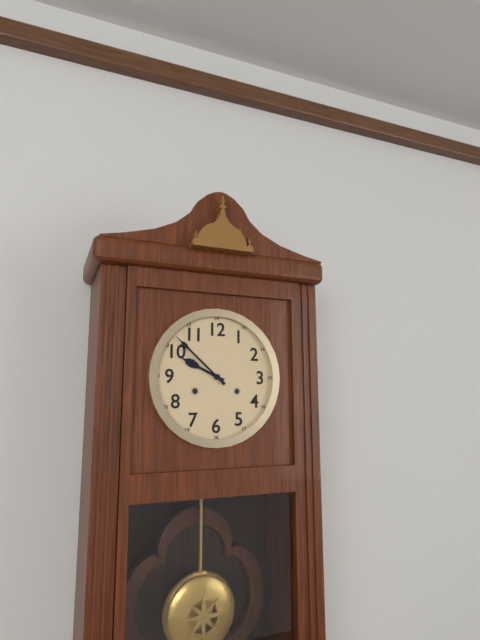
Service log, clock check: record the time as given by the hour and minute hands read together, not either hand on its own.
9:52
